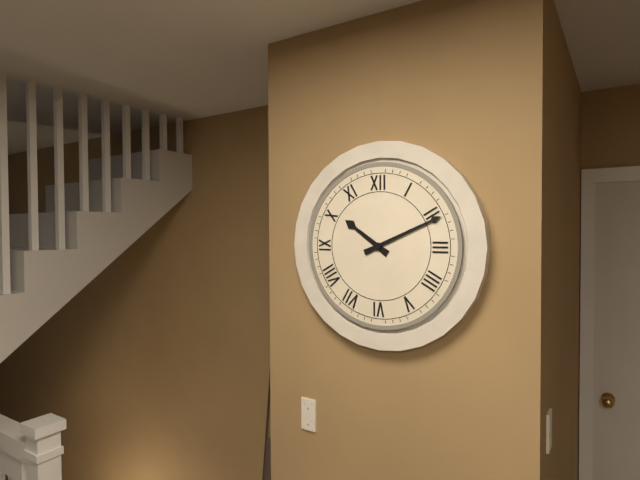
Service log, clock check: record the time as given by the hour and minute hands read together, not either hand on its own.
10:11
